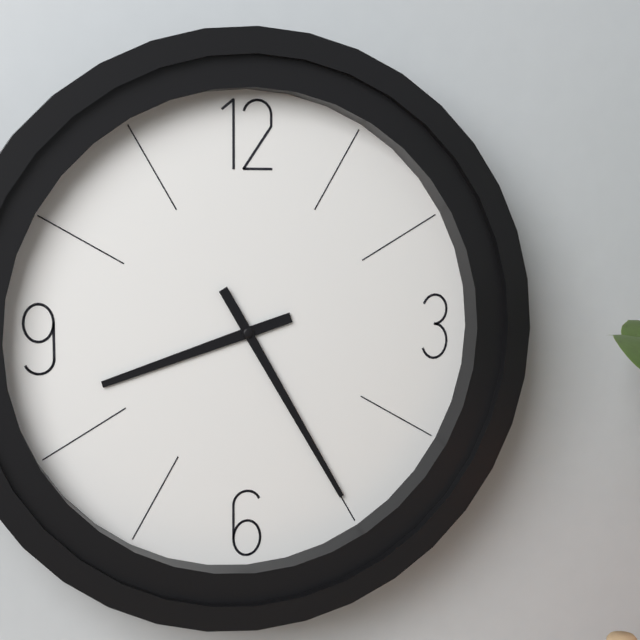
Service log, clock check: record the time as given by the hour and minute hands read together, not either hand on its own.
8:25
